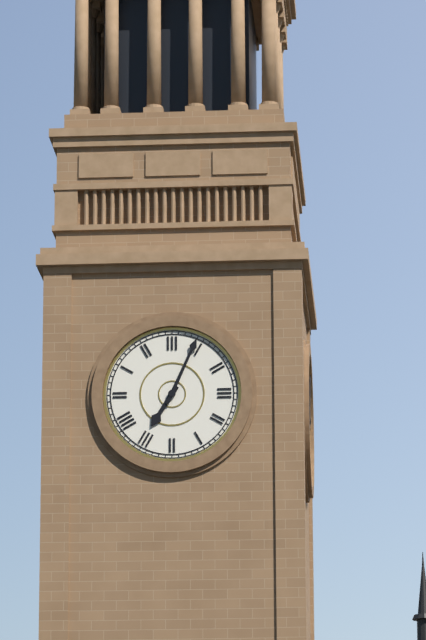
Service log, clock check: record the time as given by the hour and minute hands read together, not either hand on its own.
7:04
